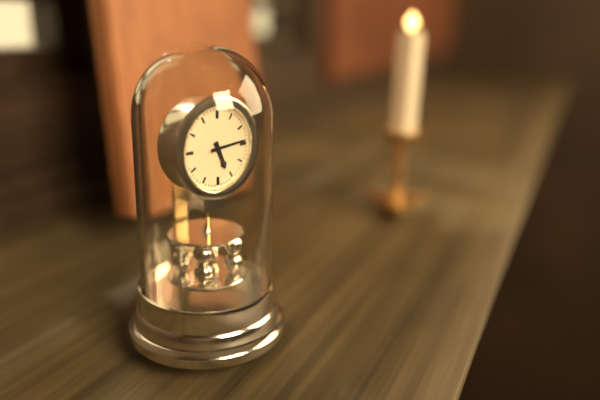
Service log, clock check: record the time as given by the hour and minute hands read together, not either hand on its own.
5:14
